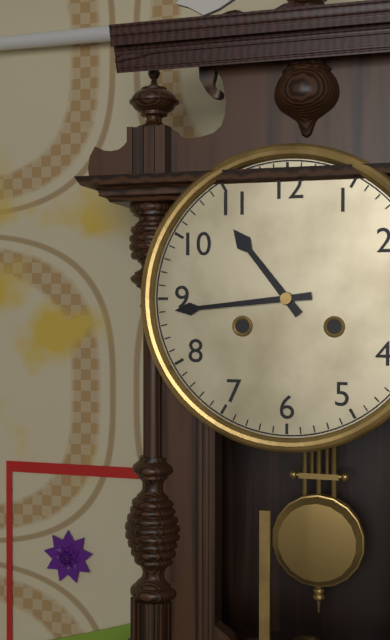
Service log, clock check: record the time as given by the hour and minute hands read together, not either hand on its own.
10:44
